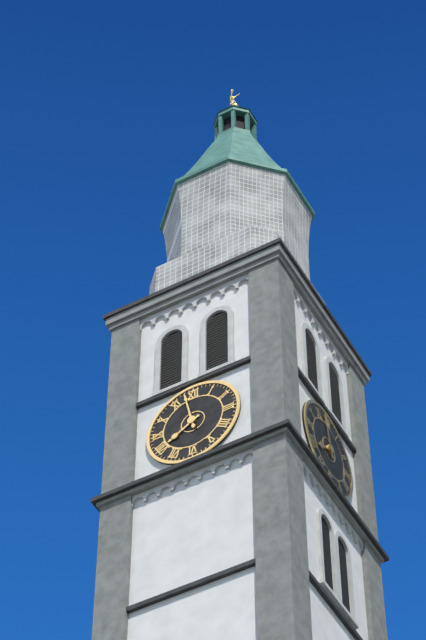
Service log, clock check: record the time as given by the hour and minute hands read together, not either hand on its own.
7:58
